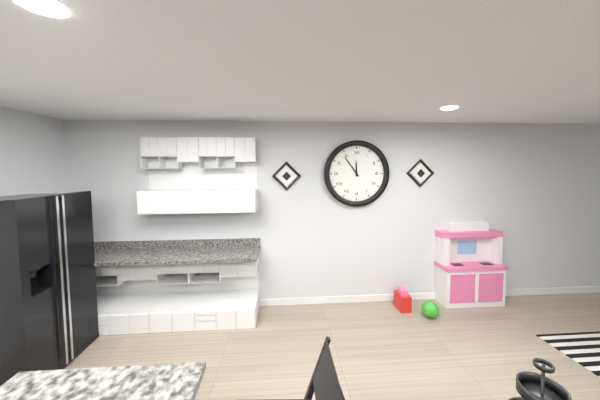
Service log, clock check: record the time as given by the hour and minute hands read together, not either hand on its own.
11:54
